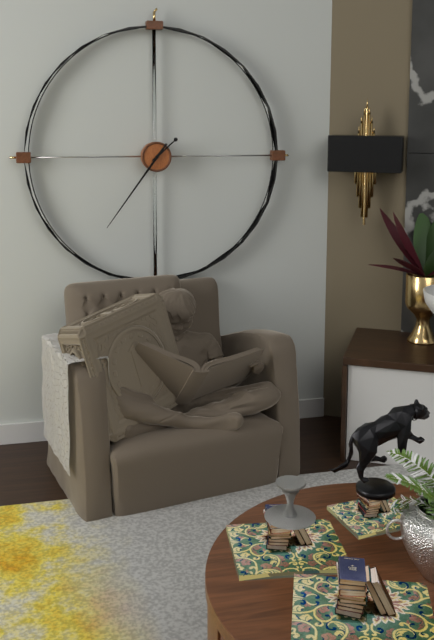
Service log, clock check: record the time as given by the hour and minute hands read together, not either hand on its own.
1:36
